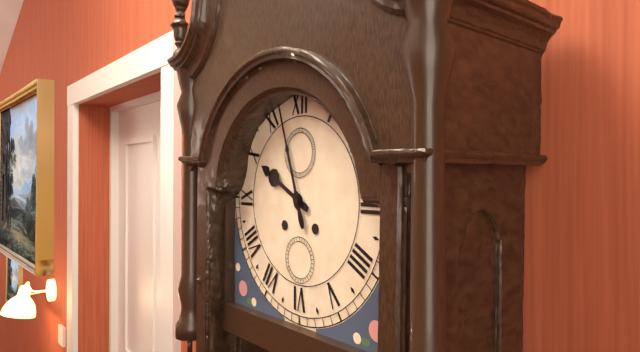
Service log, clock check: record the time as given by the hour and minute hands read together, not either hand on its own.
9:57
